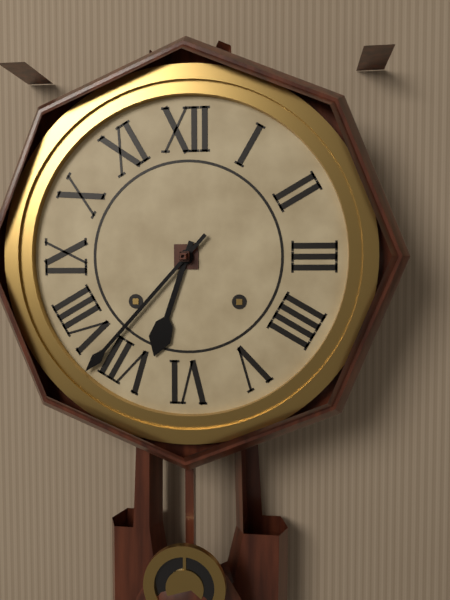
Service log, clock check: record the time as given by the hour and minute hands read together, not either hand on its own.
6:37
